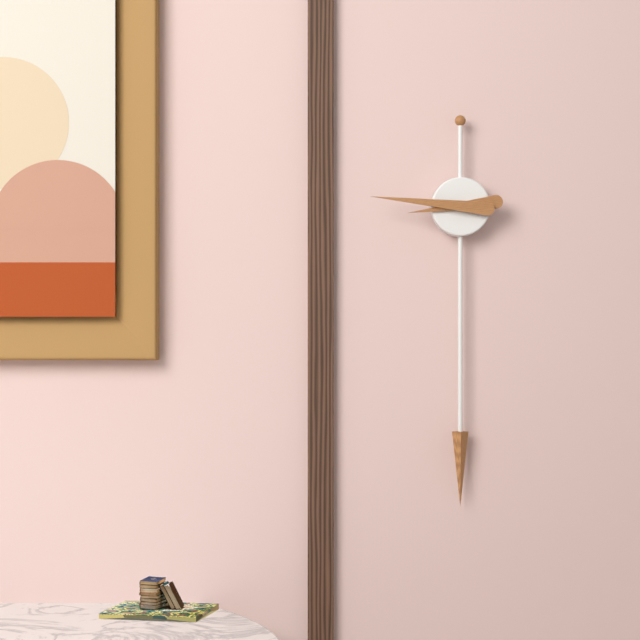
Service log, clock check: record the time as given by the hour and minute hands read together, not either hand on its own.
8:46
